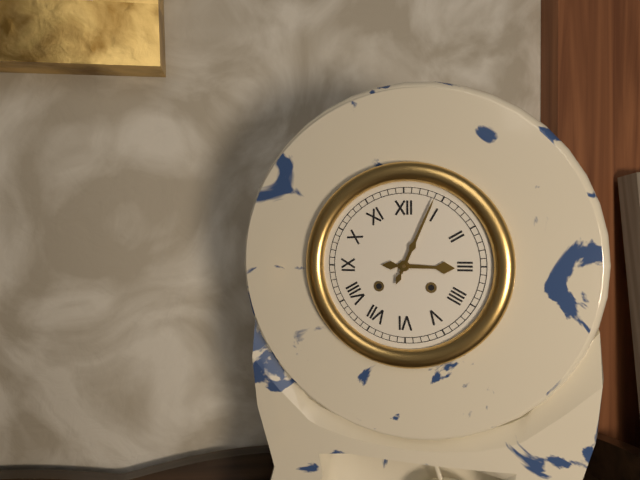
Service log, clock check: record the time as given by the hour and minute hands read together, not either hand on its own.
3:04
